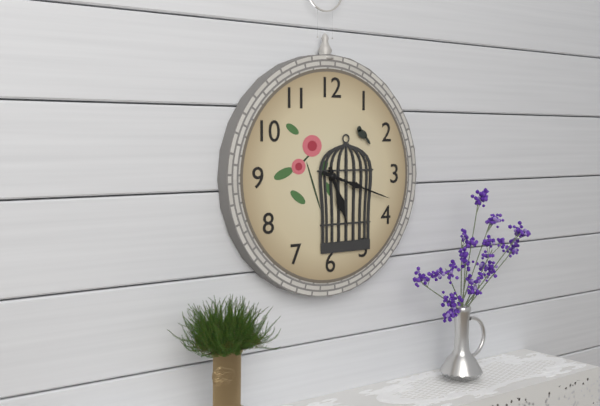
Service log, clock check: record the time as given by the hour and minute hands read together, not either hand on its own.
5:18
